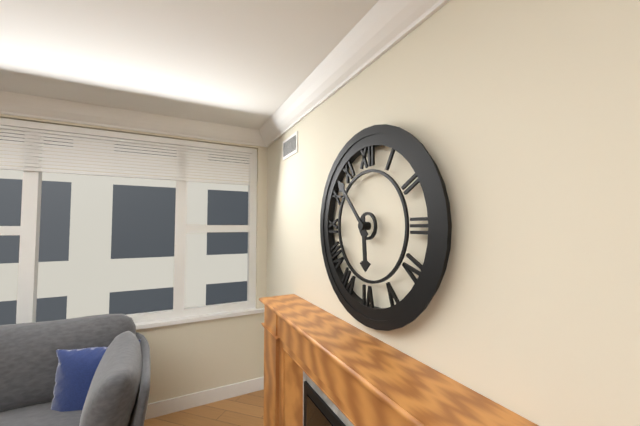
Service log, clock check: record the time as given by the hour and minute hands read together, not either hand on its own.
5:53
